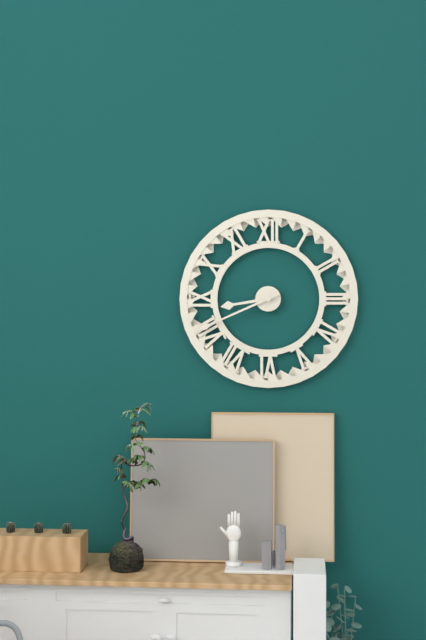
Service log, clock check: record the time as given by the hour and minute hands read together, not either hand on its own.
8:41
